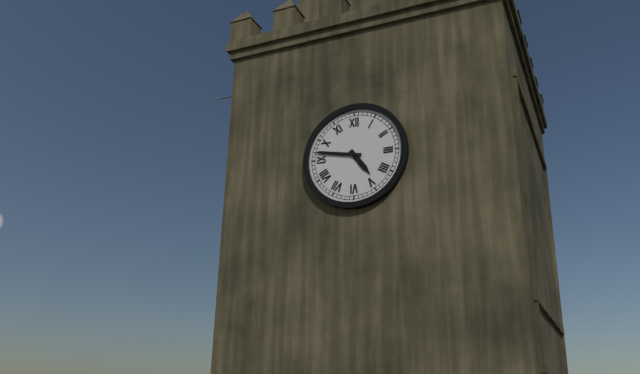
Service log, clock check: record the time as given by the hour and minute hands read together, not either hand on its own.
4:47
